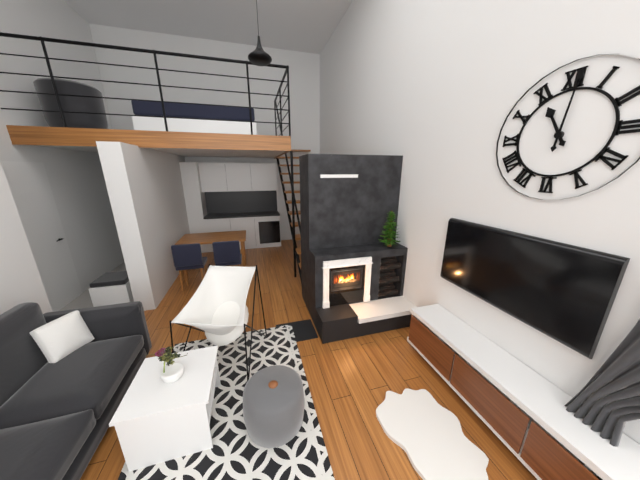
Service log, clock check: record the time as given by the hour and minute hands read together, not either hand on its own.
11:01
